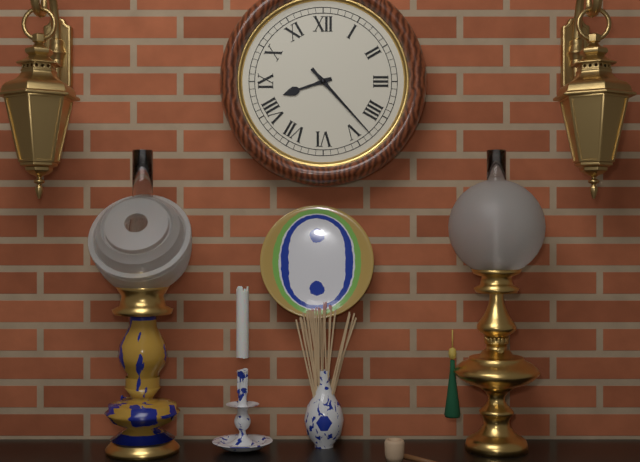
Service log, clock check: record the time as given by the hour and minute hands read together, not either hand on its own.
8:23
